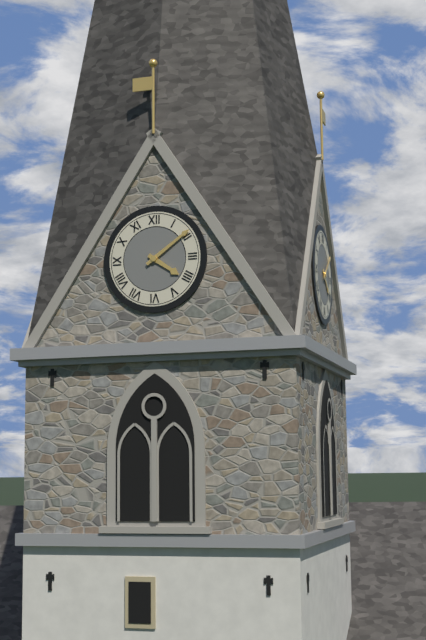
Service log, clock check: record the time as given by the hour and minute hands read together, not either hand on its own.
4:09
